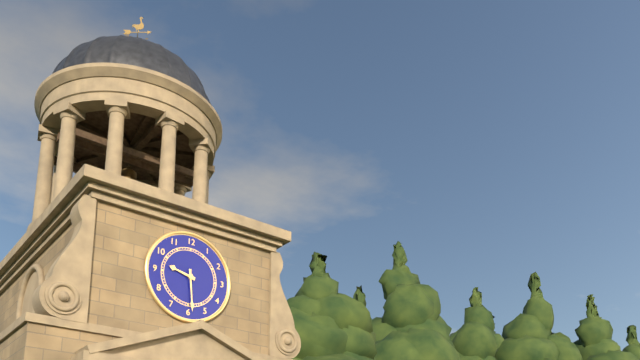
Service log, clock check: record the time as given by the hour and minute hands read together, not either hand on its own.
9:29
